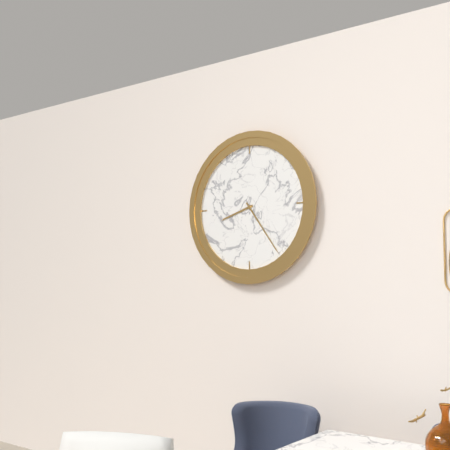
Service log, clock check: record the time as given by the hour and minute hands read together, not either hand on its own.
8:24
